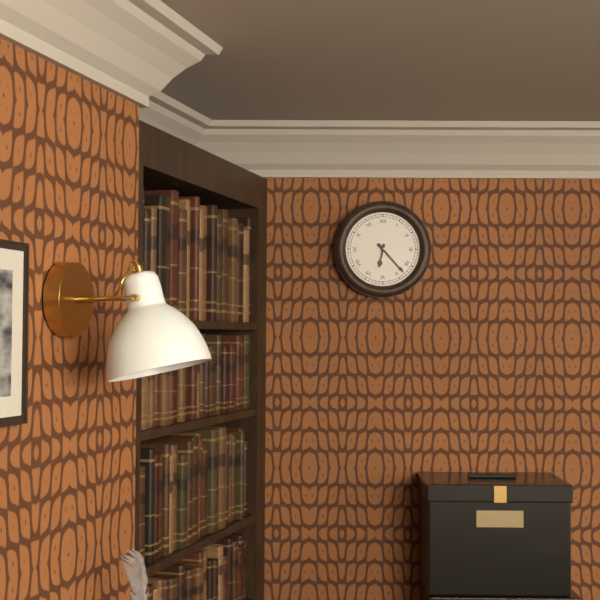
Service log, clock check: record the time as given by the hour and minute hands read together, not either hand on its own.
6:23
